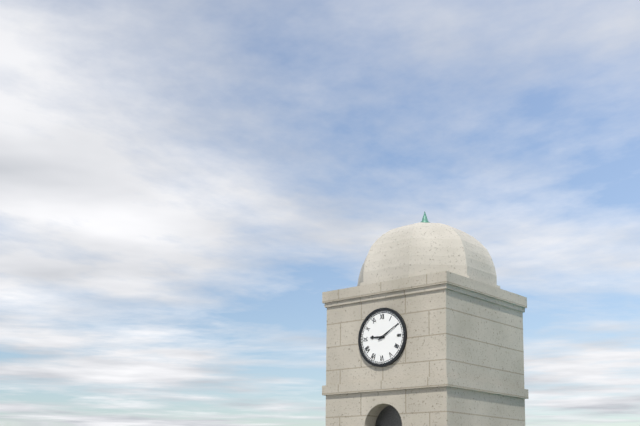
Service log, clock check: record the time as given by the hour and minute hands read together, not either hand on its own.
9:10
